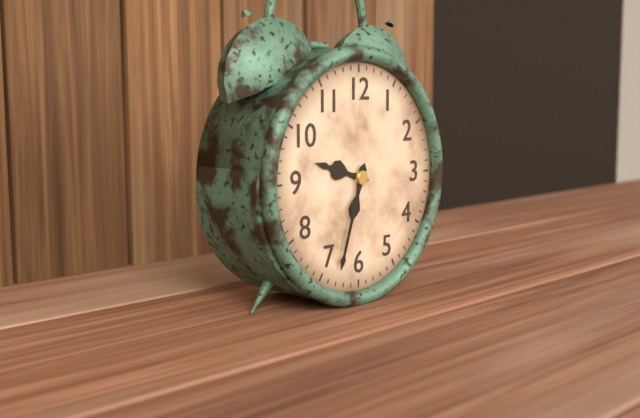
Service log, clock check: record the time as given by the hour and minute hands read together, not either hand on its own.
9:33
